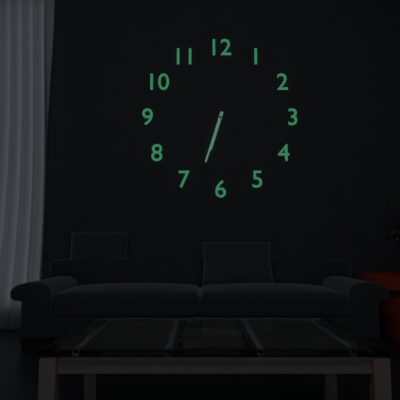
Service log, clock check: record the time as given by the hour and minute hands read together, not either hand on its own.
6:33
